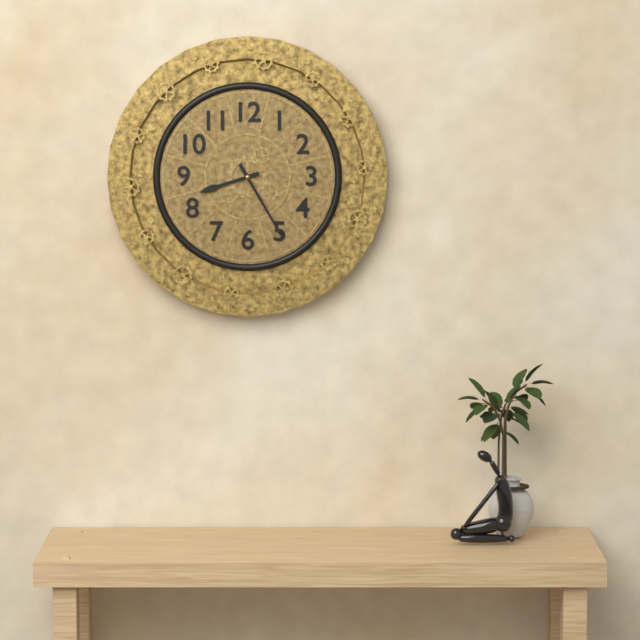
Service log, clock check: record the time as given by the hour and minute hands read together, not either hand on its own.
8:25
